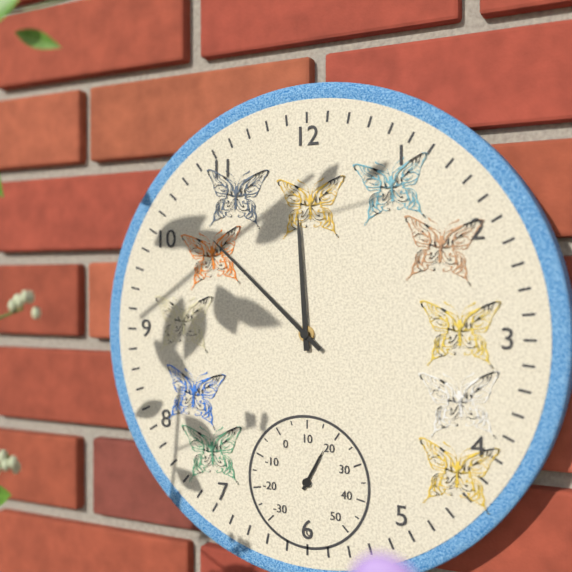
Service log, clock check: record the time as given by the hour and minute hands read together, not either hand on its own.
11:52
